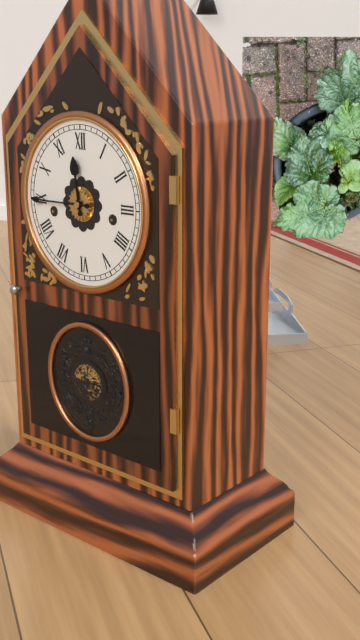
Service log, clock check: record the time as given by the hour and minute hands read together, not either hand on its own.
11:45
